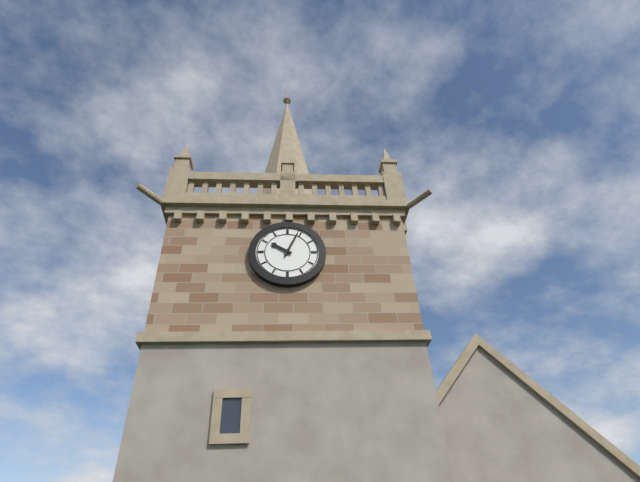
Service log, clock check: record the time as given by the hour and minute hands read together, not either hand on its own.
10:04
